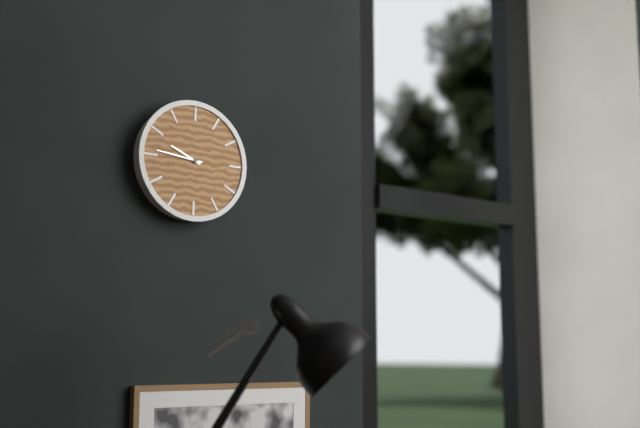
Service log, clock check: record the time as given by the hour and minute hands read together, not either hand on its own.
9:46
